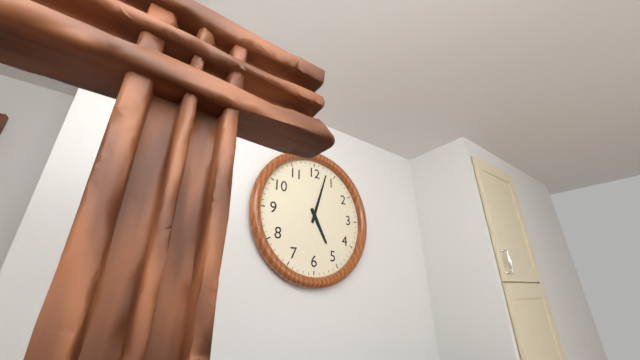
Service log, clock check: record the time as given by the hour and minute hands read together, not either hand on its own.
5:03
